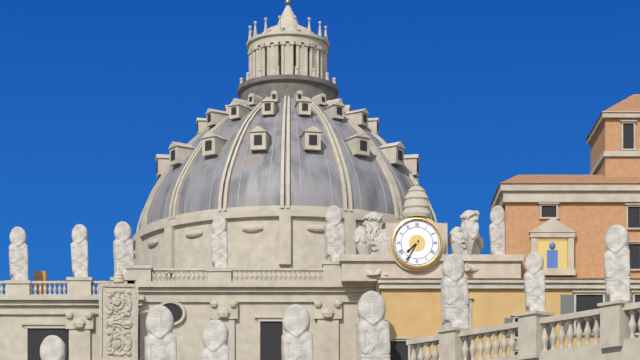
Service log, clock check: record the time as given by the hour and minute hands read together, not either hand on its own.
7:35
